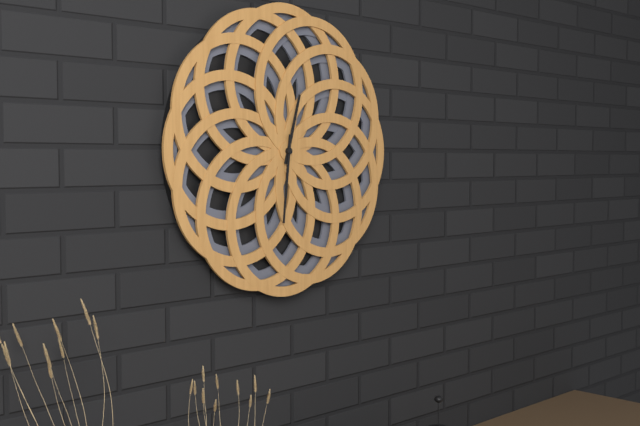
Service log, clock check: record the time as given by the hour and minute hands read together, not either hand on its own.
12:31
